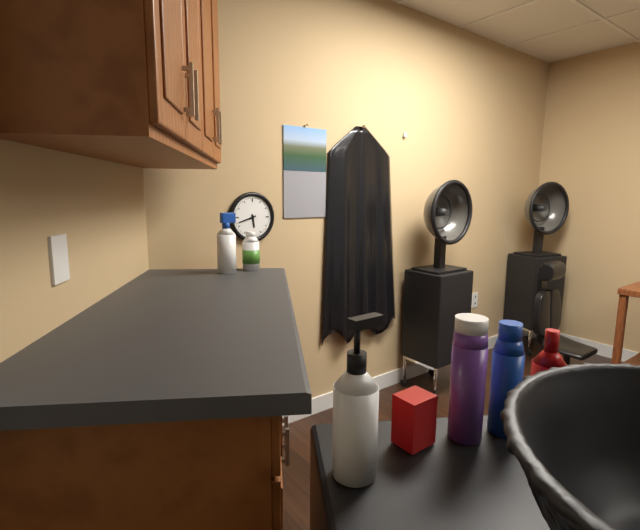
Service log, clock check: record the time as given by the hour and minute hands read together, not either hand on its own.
5:42
